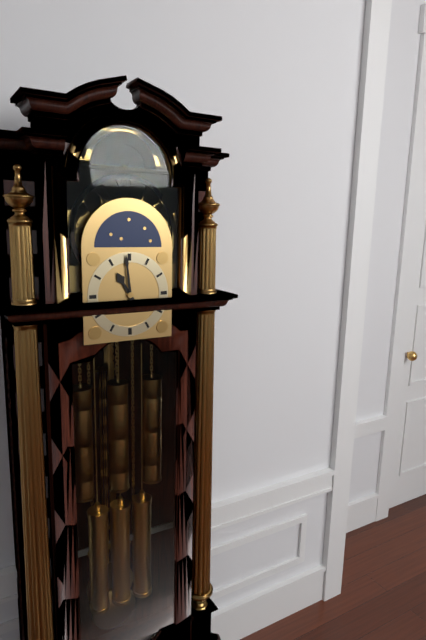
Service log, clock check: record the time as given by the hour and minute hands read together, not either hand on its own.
10:59
